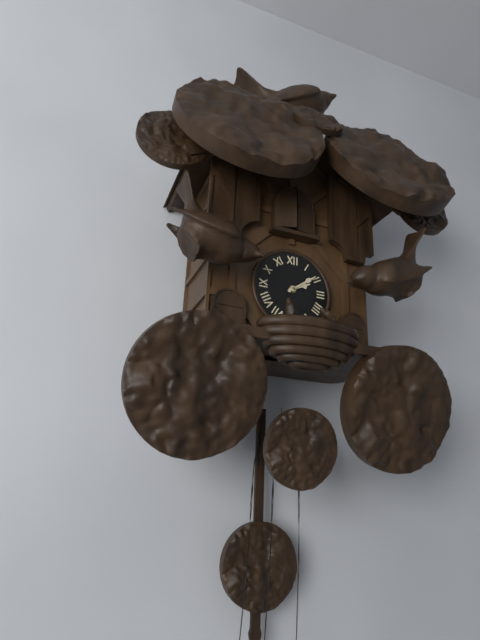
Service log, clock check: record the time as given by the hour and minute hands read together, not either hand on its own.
2:09
